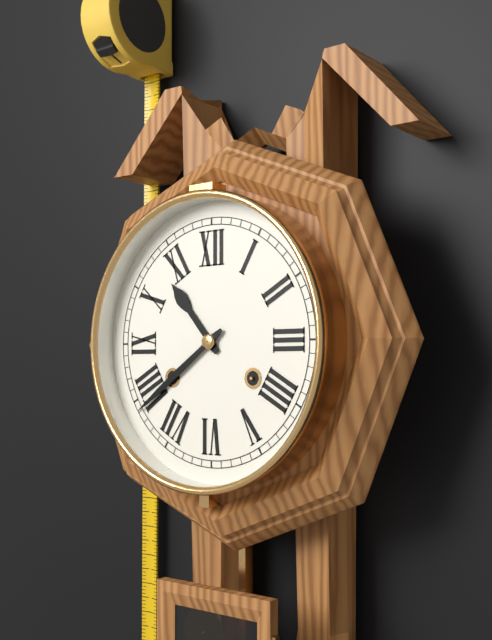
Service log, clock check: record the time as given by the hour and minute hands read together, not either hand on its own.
10:39
